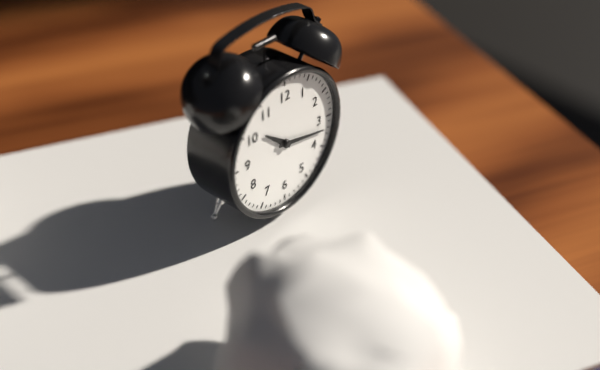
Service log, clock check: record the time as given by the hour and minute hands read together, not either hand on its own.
10:17
